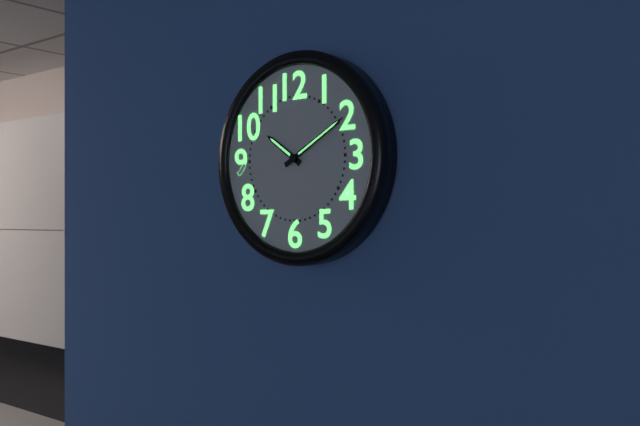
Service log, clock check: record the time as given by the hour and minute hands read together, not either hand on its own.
10:10
